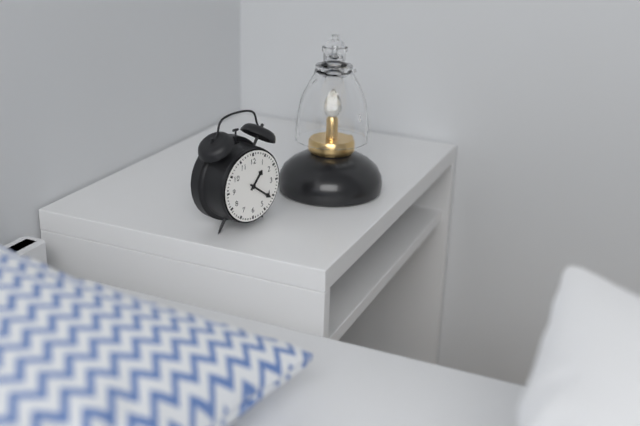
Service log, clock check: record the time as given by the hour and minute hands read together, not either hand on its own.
1:21
